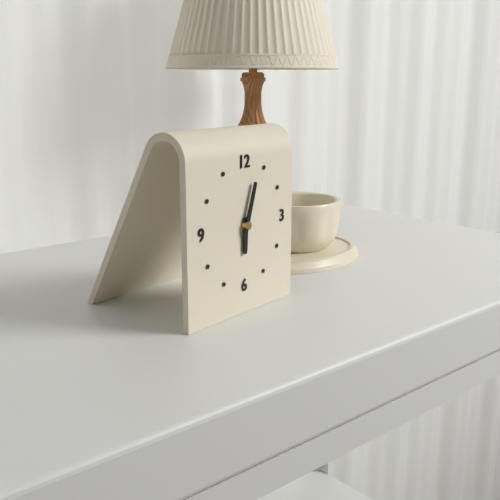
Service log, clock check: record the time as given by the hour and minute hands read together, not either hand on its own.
6:03
